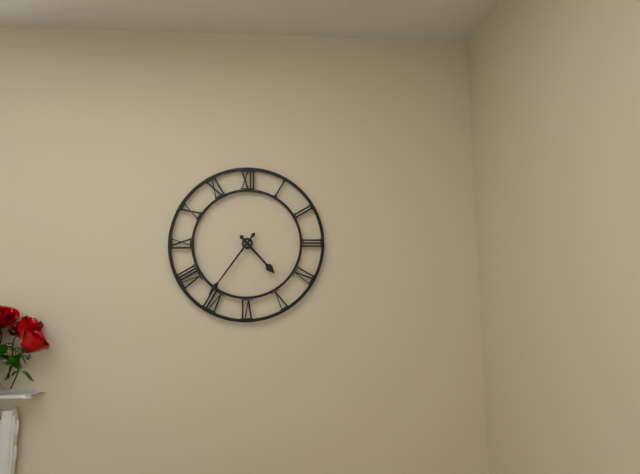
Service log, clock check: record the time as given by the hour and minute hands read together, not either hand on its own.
4:36
